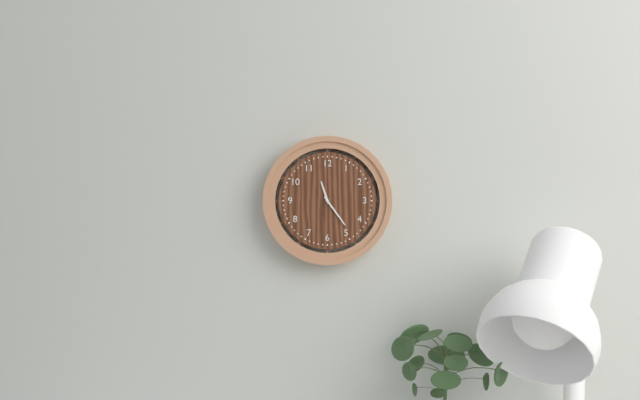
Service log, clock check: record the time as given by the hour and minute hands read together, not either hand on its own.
11:24
